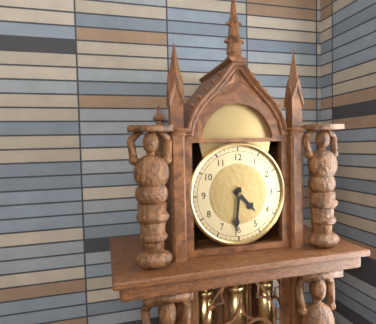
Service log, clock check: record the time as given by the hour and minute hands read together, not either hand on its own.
4:31
